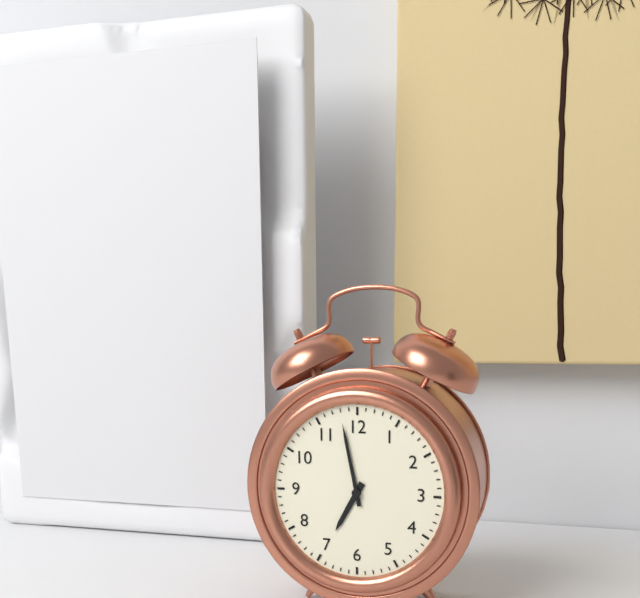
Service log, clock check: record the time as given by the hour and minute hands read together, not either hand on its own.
6:58
